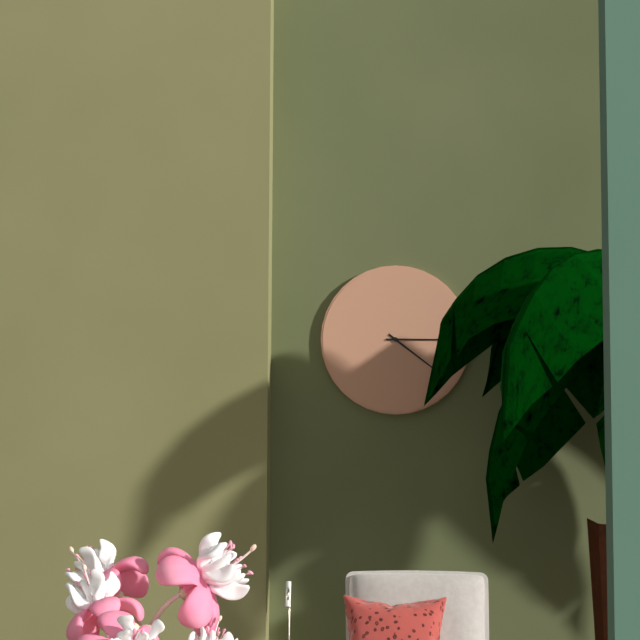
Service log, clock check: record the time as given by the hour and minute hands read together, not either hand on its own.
4:15
